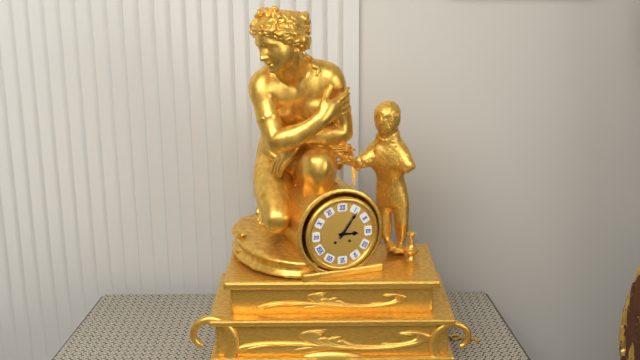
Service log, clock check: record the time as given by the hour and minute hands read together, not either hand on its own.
3:06
